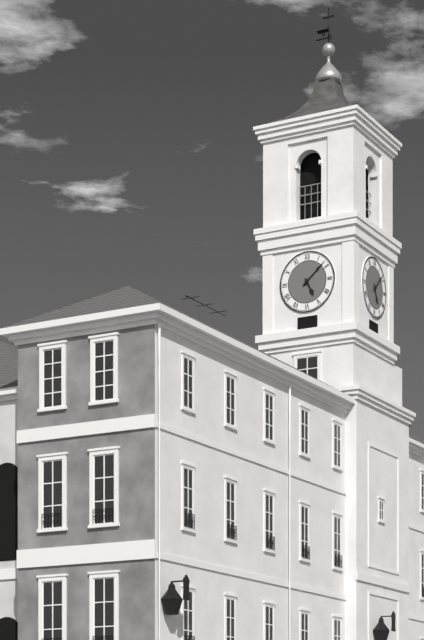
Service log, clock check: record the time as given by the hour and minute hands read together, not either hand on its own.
5:08
